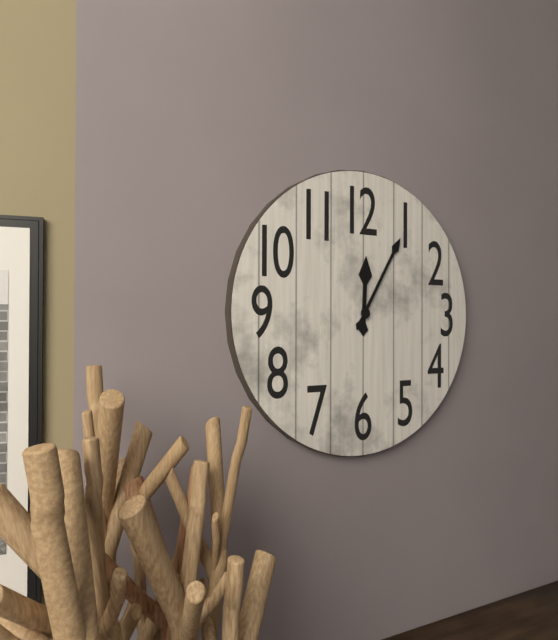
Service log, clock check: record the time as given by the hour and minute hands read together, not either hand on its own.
12:05
